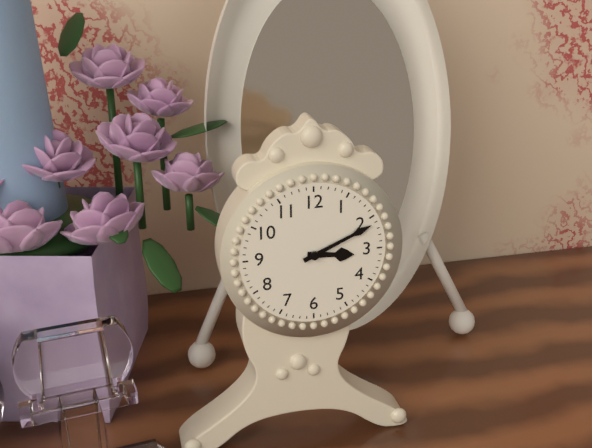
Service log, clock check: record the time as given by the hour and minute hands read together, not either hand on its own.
3:11
